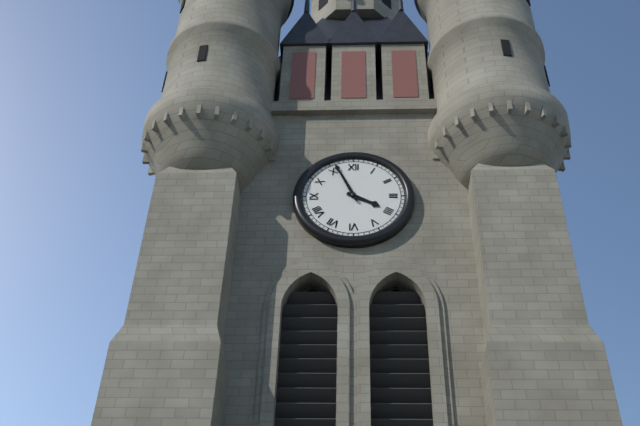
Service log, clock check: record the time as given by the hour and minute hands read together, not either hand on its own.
3:56
